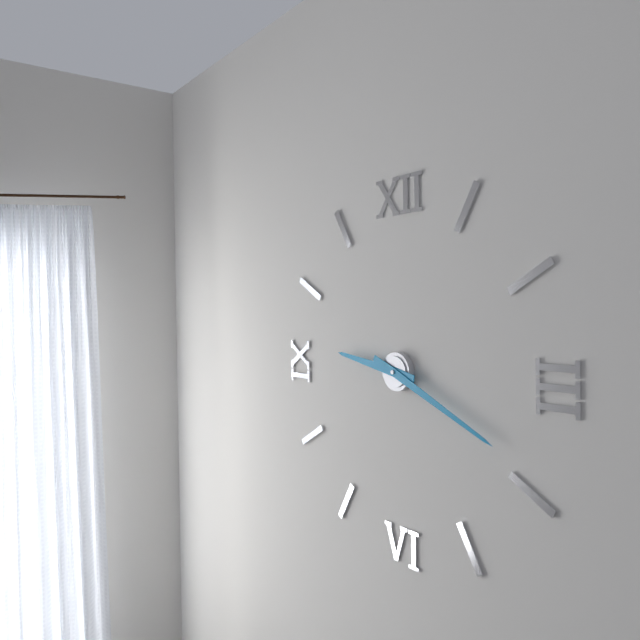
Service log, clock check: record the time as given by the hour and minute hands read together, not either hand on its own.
9:19
